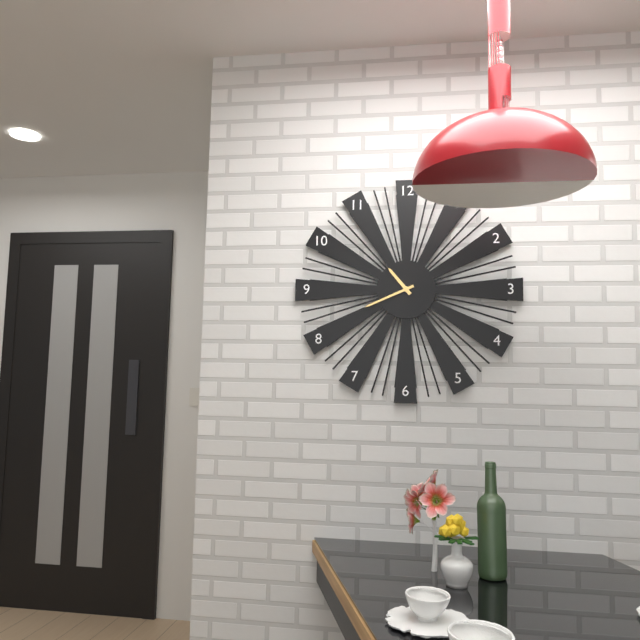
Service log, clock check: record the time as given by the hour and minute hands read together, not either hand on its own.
10:41
